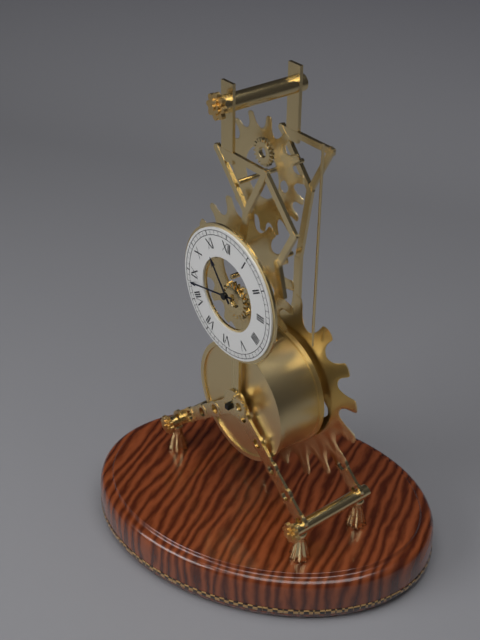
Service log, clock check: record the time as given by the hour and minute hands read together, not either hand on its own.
10:43
